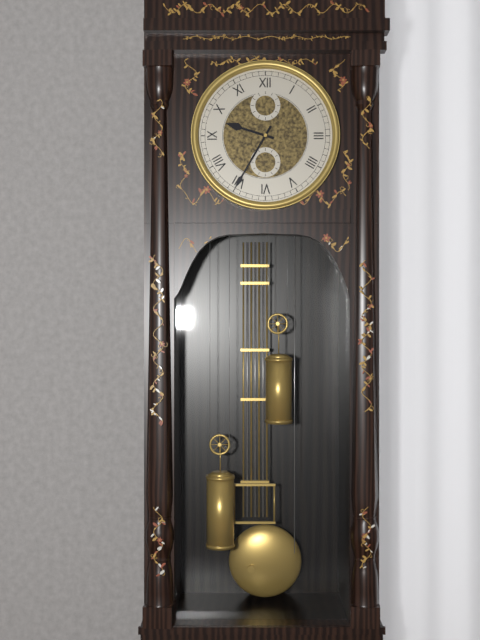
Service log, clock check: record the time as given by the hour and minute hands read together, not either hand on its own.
9:35
